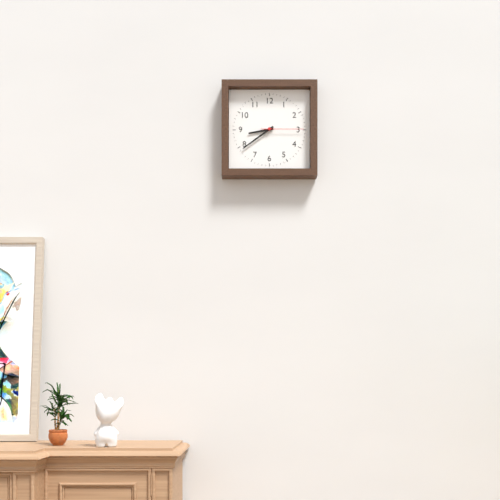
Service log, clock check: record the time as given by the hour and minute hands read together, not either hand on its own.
8:39
